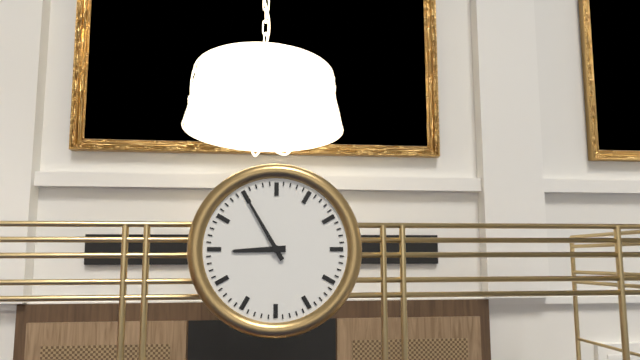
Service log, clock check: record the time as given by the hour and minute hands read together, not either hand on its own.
8:55
